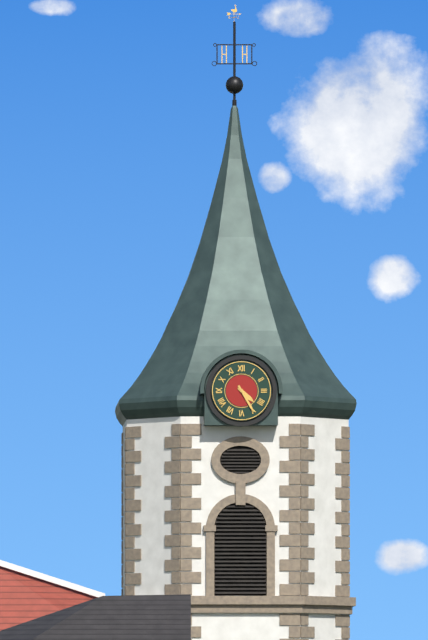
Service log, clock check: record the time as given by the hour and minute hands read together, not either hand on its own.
4:25
